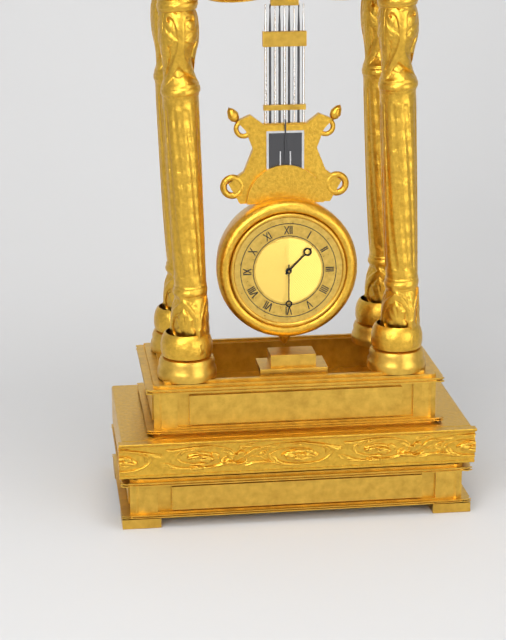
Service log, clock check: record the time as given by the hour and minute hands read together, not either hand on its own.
1:30
